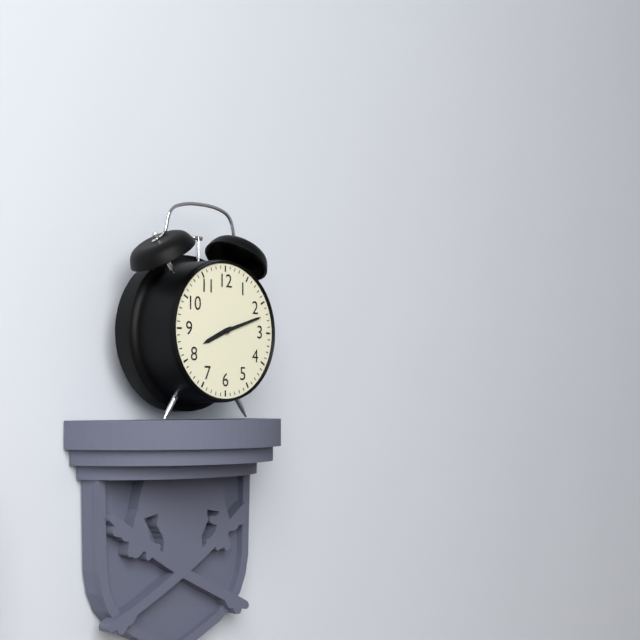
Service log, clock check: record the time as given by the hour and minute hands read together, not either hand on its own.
8:12
